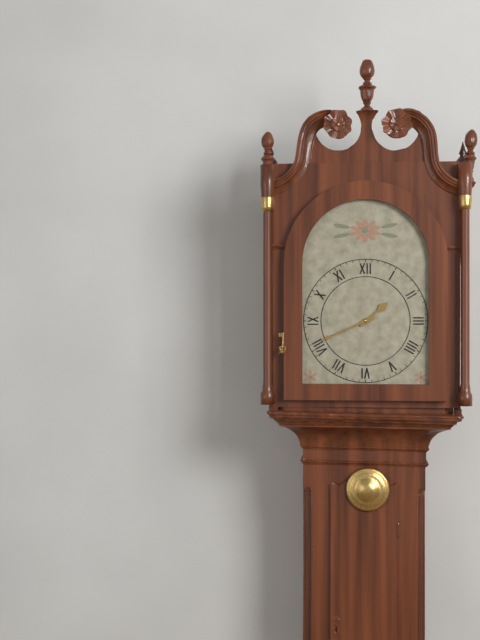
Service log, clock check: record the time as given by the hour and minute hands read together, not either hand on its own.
1:41
